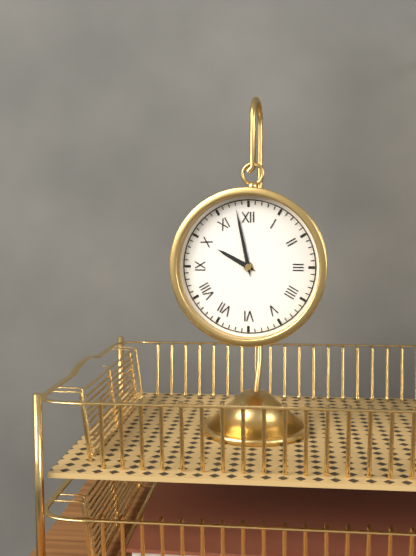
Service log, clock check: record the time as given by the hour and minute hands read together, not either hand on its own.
9:58
